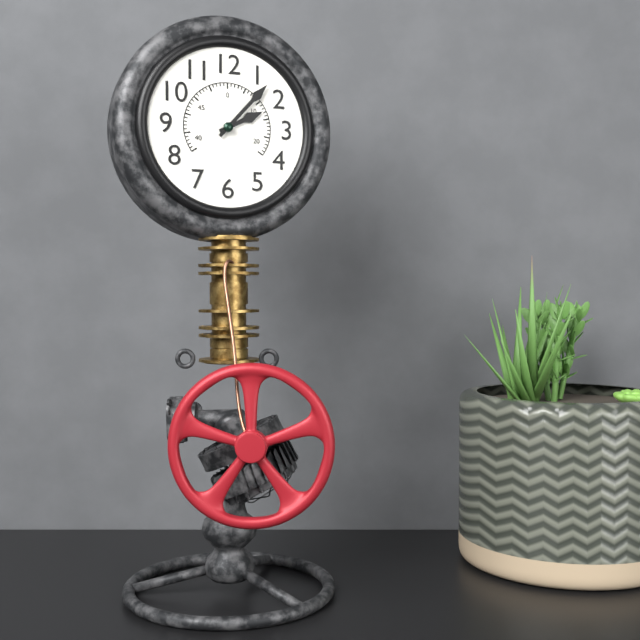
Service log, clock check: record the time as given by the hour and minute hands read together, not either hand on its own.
2:07
